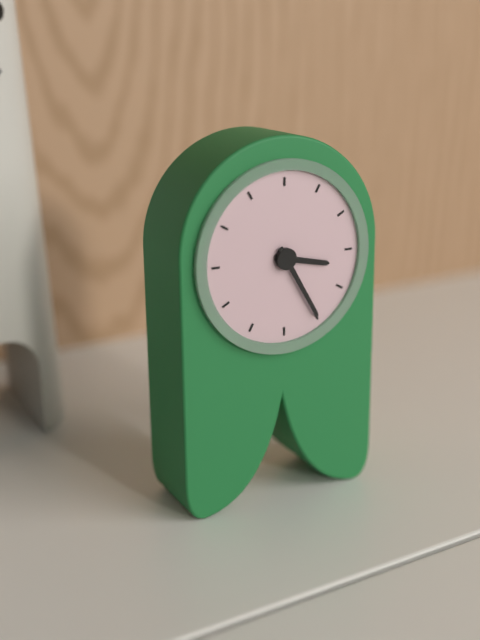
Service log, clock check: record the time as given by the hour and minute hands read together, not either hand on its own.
3:25
